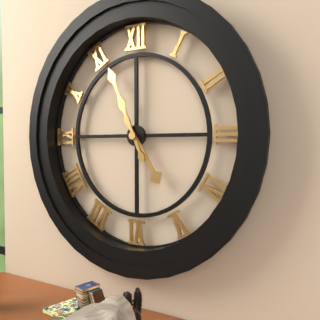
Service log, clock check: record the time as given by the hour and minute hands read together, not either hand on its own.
4:56
